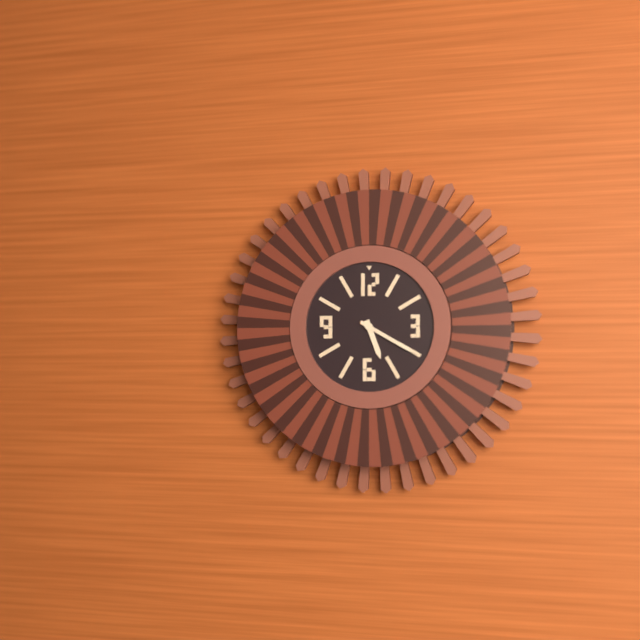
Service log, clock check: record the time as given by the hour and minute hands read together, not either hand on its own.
5:20
